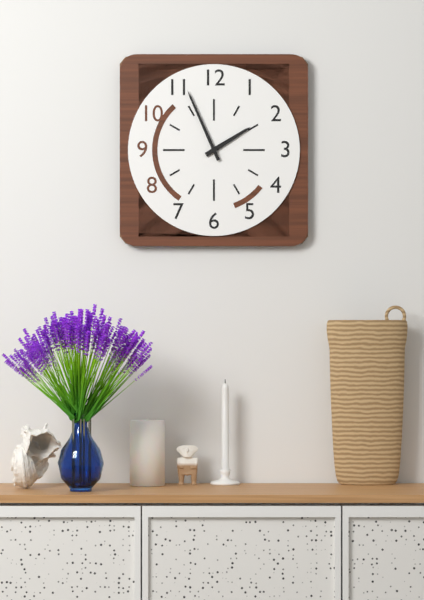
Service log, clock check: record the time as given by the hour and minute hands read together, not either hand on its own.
1:56
